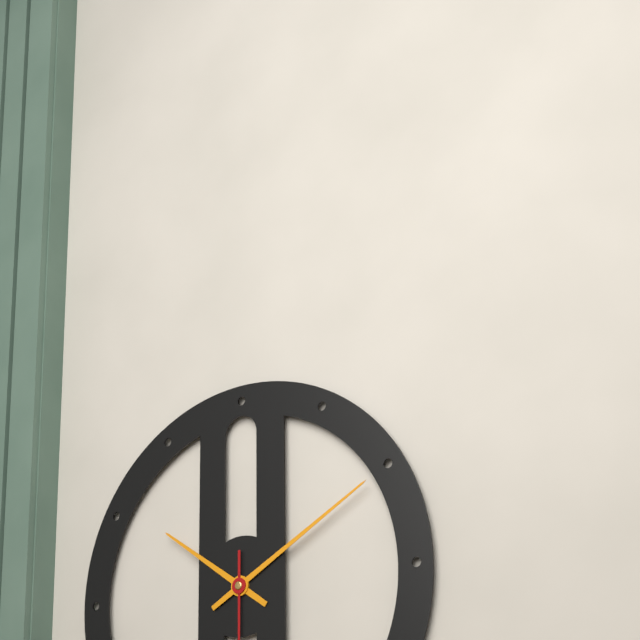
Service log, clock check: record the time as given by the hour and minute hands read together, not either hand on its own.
10:10
